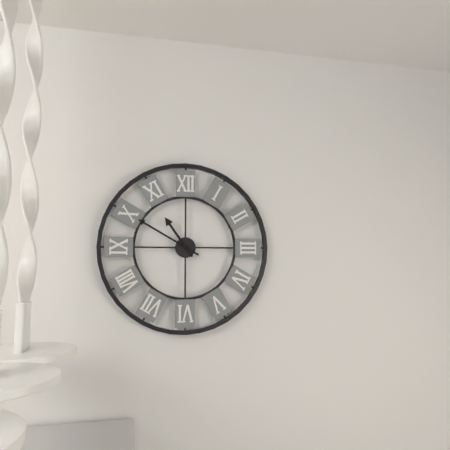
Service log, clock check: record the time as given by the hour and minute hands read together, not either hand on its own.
10:50
